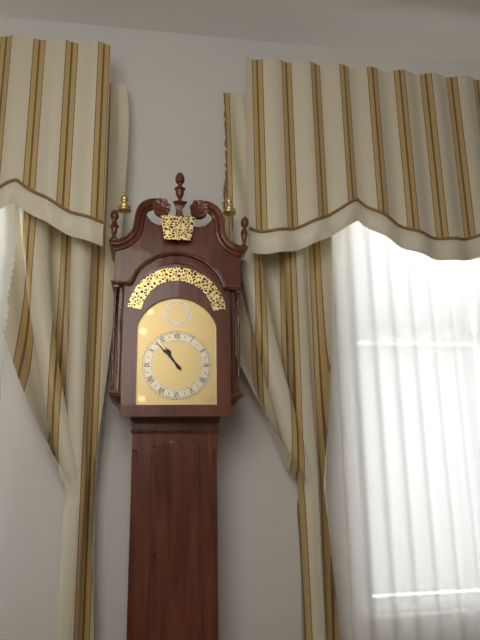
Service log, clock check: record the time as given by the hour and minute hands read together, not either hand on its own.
10:53
